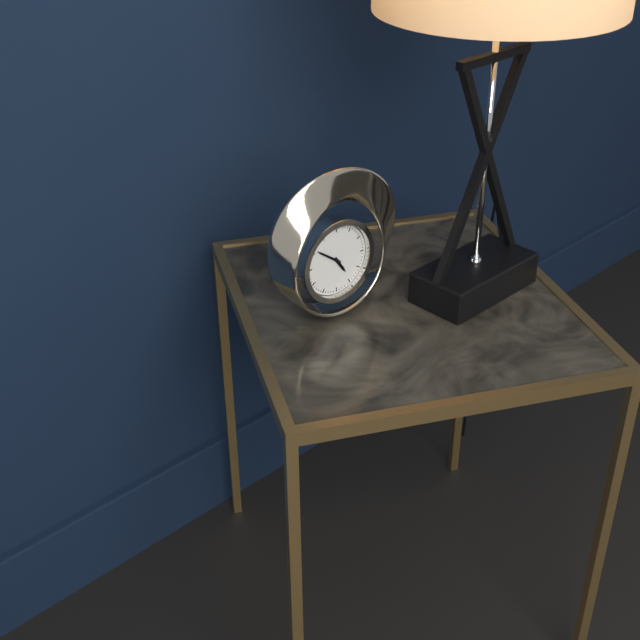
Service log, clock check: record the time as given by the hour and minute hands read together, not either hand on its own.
4:51
